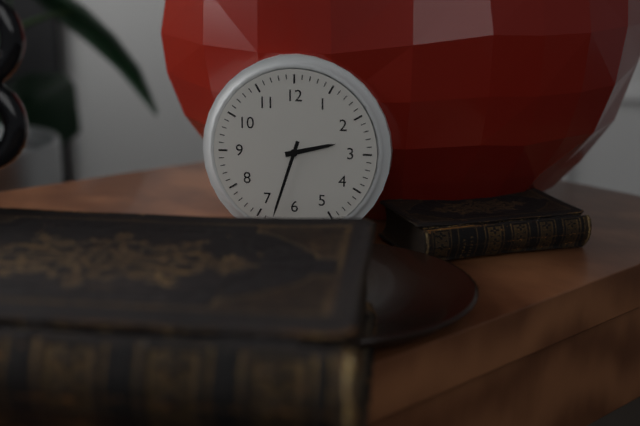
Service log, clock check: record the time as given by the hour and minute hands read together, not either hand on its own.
2:33
